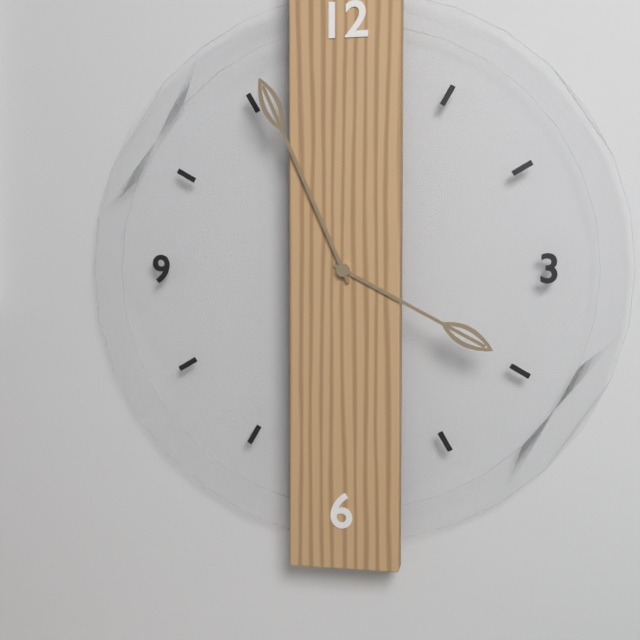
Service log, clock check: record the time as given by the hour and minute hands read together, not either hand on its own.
3:56
